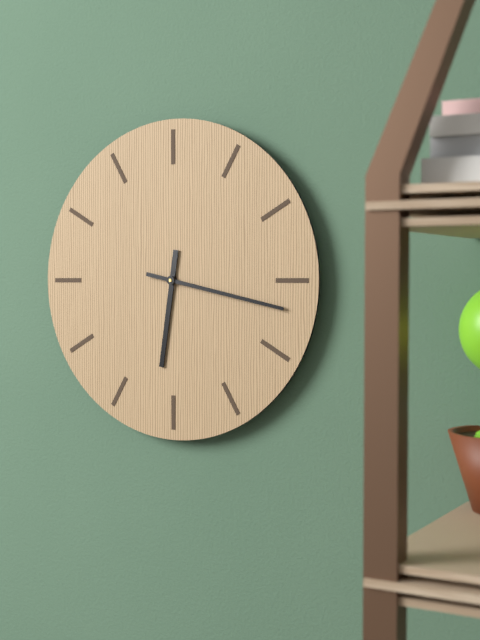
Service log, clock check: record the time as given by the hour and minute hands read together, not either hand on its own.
6:17
